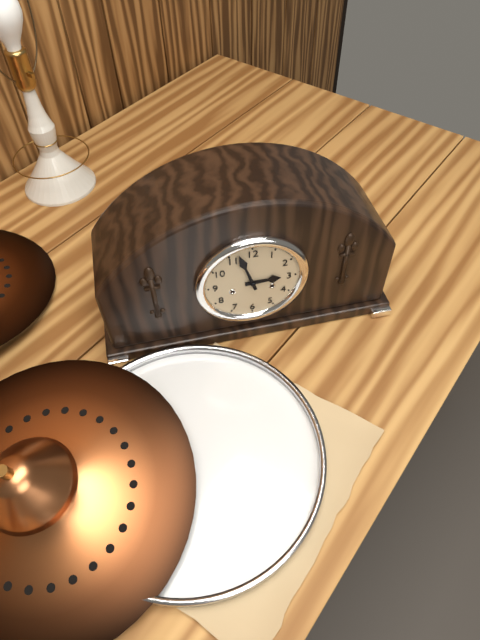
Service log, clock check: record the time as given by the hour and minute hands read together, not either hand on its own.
2:57
